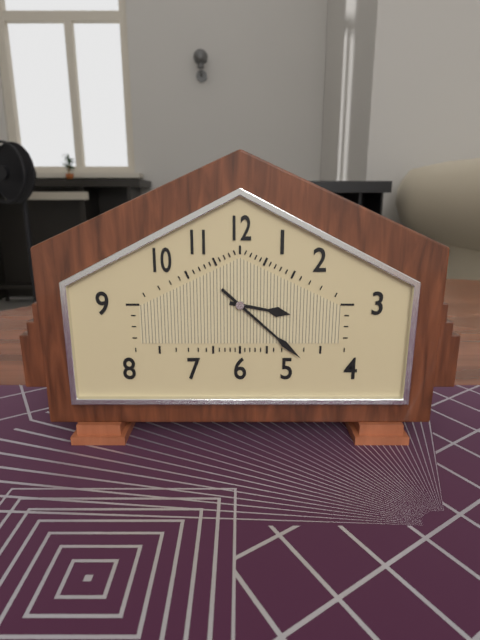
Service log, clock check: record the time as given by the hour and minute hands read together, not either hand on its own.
3:22
